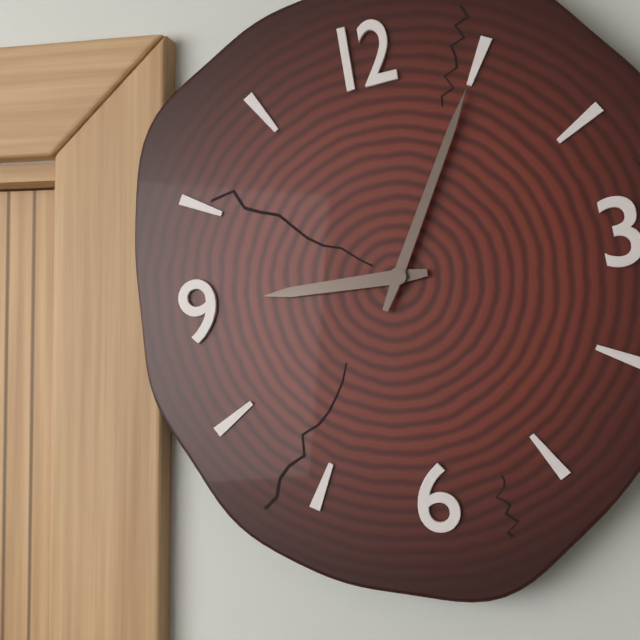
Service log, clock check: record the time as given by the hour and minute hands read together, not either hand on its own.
9:05
